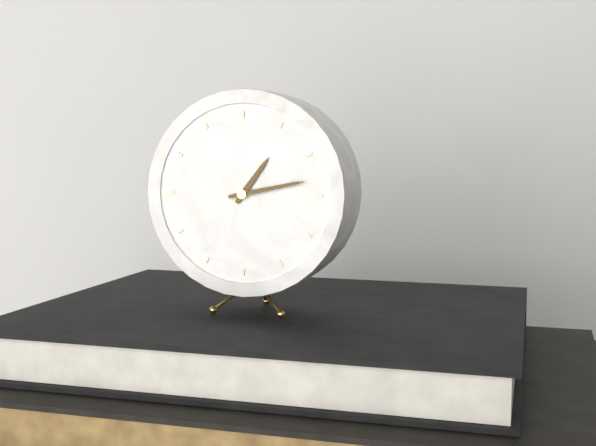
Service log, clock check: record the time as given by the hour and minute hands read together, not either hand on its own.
1:13
